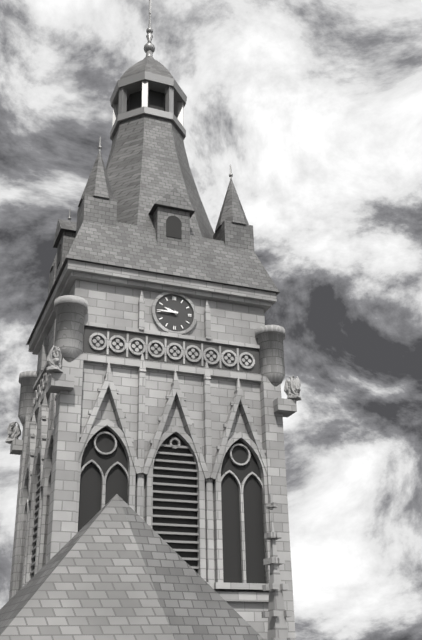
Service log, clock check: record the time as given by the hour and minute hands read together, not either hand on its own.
9:45
